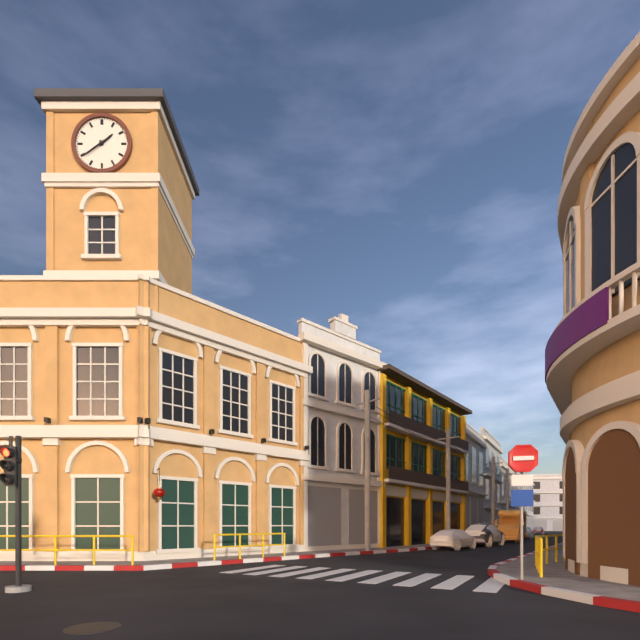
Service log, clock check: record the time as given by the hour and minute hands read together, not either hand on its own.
1:39
